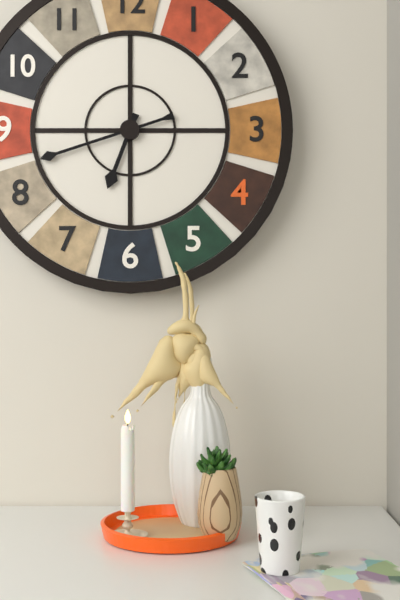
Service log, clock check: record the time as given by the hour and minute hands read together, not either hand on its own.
6:42
